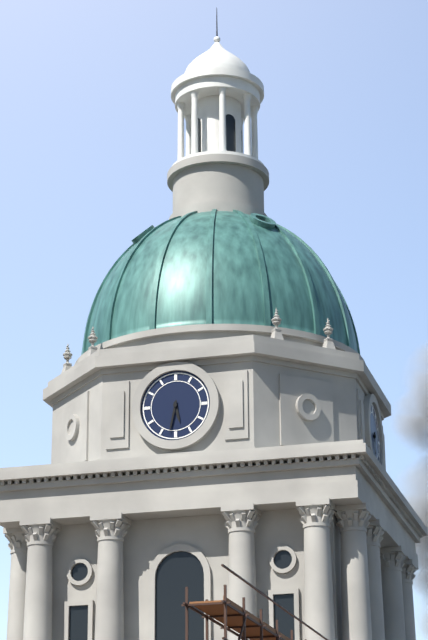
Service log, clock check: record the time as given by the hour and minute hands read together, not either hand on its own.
5:32
